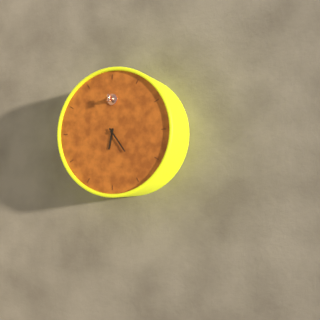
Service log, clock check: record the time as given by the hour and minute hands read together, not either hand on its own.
6:24
